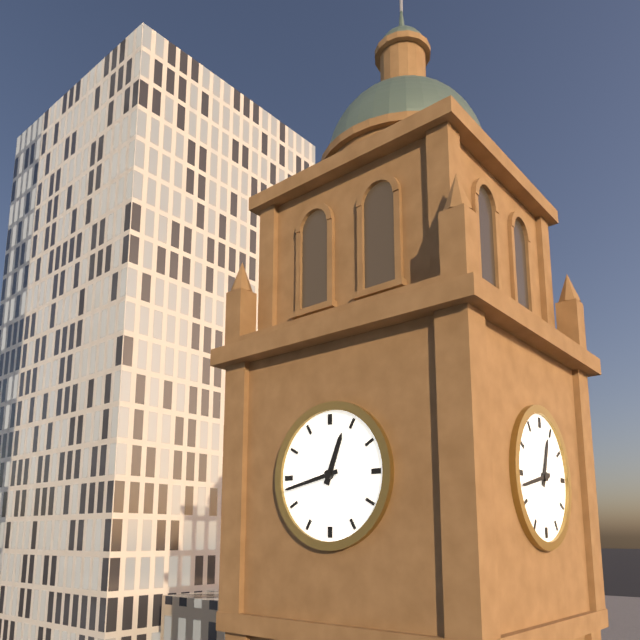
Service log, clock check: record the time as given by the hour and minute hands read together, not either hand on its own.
12:43
